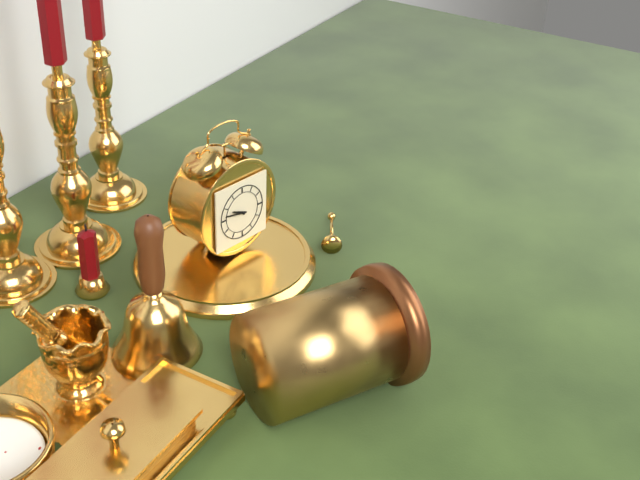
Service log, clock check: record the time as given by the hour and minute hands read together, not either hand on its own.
9:47
